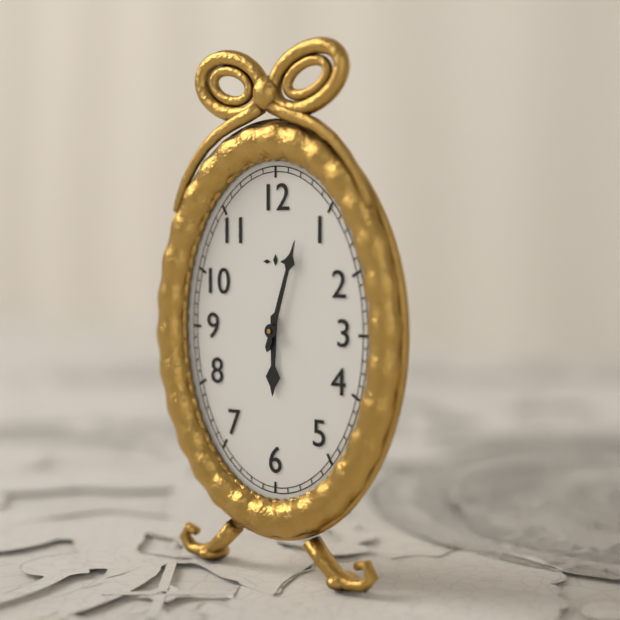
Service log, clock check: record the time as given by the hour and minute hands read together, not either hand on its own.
6:03
